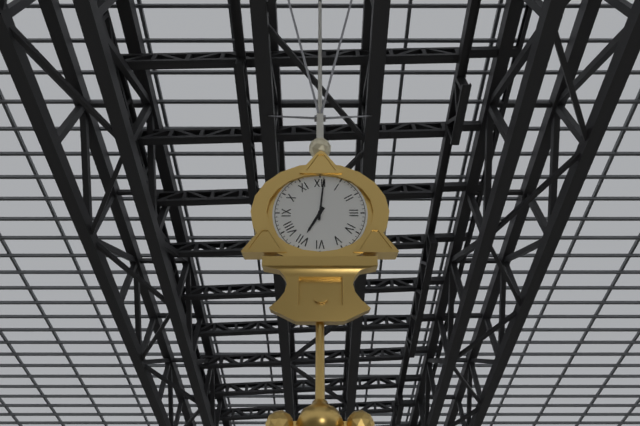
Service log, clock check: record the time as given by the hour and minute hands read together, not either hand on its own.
7:01
